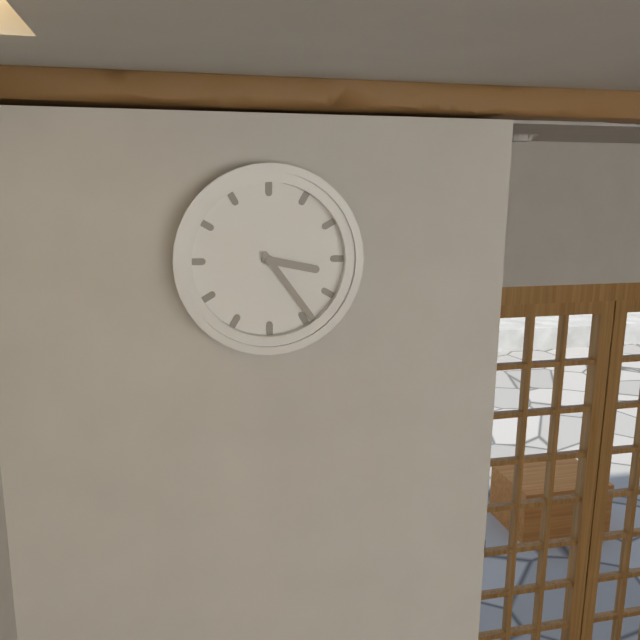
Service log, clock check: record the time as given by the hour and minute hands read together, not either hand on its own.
3:24
